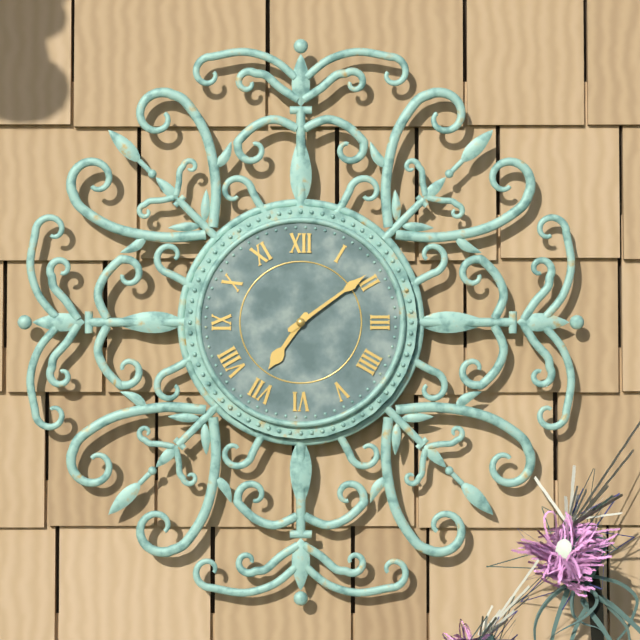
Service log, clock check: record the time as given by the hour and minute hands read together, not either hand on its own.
7:09
